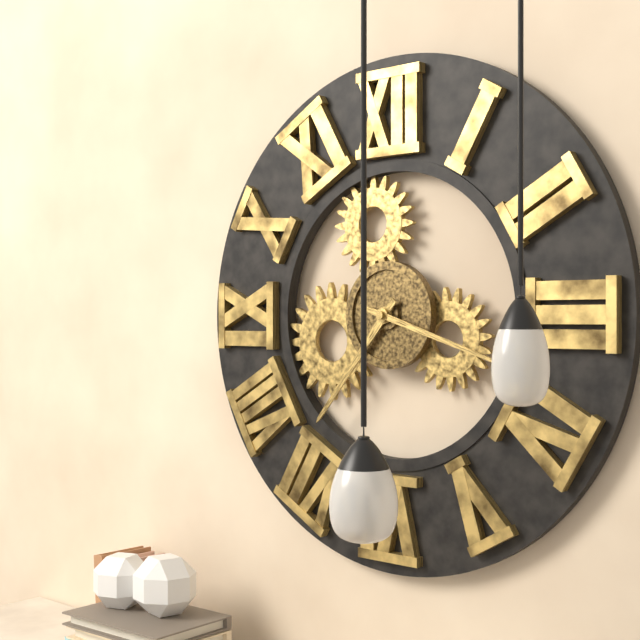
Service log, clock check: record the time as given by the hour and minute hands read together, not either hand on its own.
7:18
